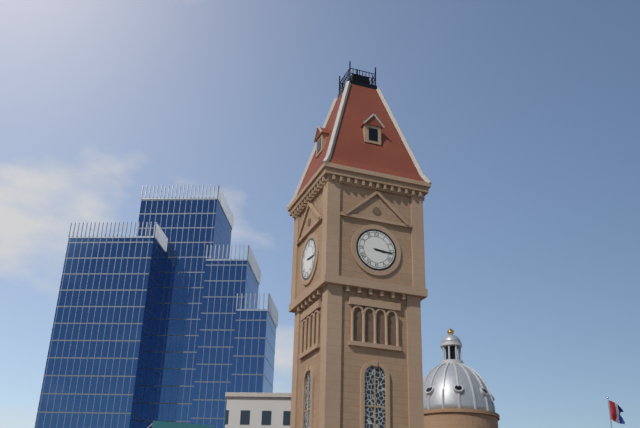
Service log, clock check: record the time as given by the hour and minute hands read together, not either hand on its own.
3:16
